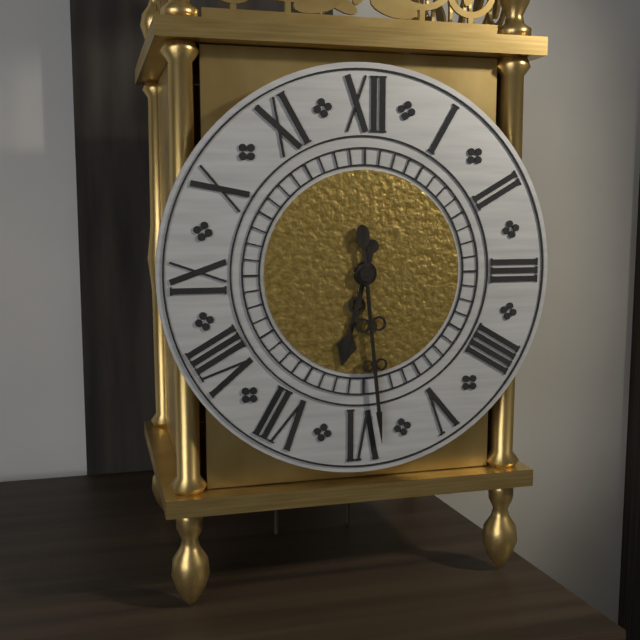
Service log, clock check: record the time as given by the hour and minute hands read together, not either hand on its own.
6:29
